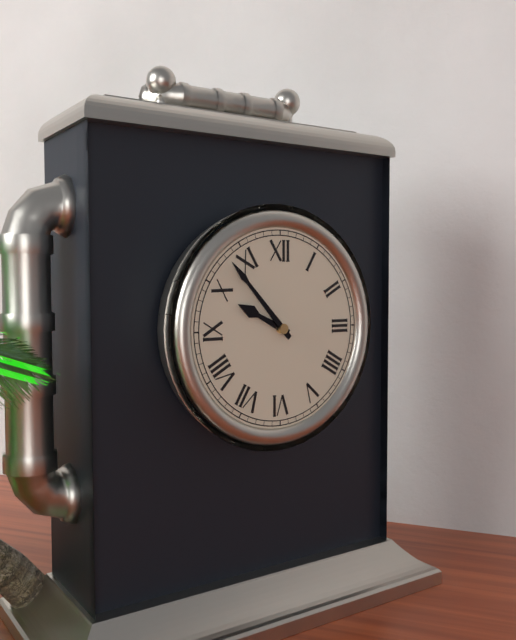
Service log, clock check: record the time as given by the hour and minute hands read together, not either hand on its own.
9:53
